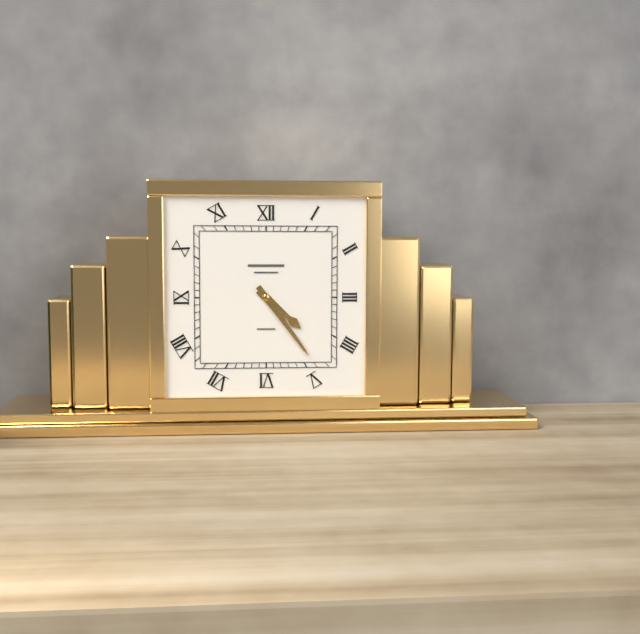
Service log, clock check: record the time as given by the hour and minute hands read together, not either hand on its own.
4:24
